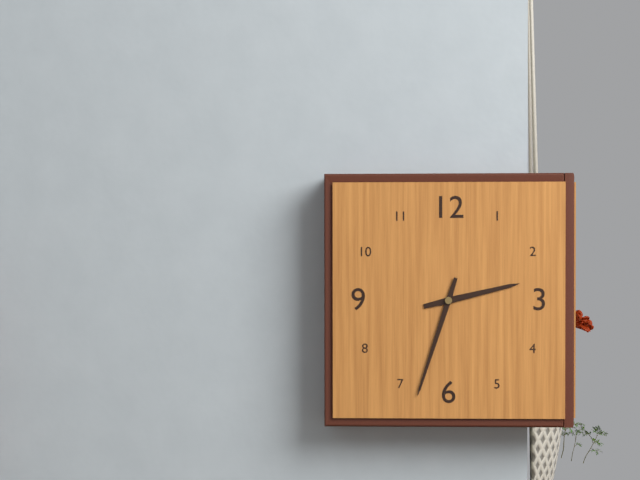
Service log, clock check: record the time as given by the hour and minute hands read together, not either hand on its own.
2:33
